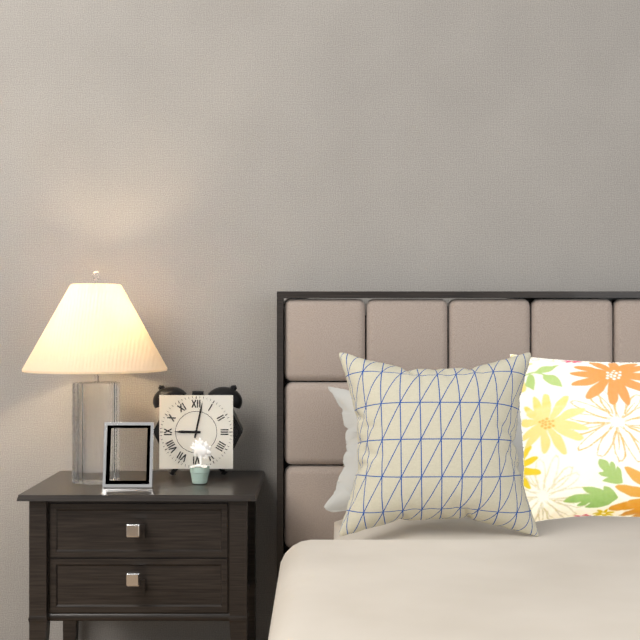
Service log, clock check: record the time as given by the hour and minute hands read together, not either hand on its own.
9:02
